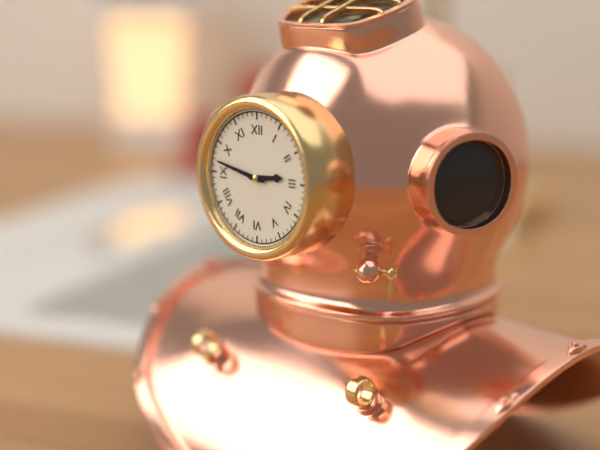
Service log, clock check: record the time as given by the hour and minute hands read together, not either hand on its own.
2:47
